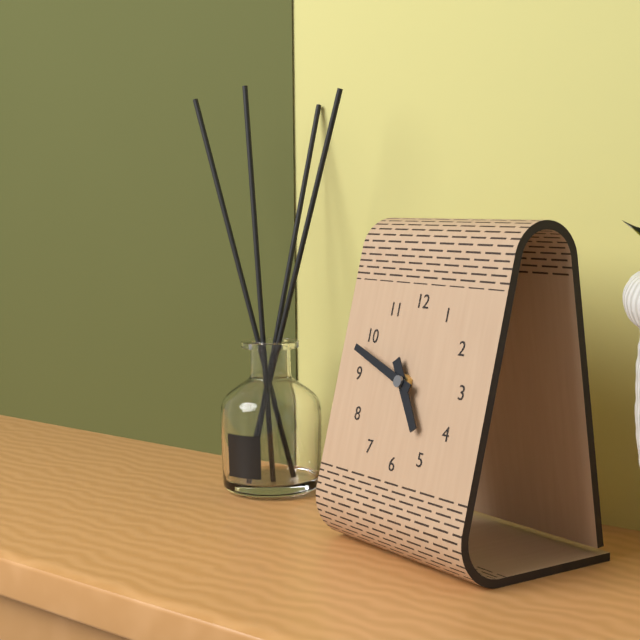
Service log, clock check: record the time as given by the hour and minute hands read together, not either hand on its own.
4:48
